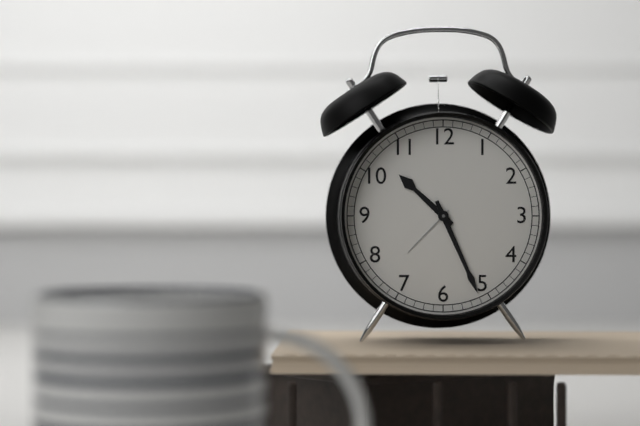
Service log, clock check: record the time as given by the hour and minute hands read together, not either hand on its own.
10:26
